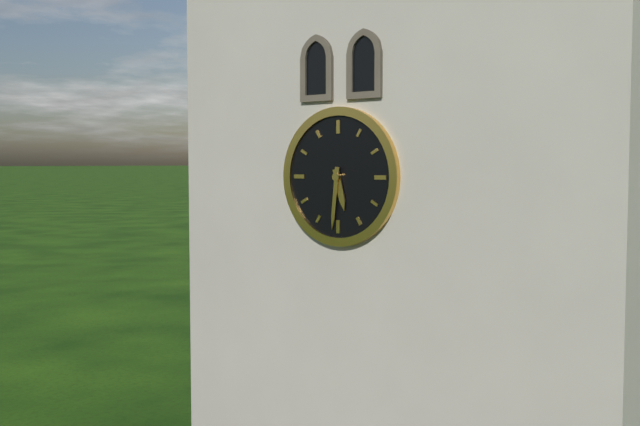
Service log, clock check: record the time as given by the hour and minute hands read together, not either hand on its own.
5:31
